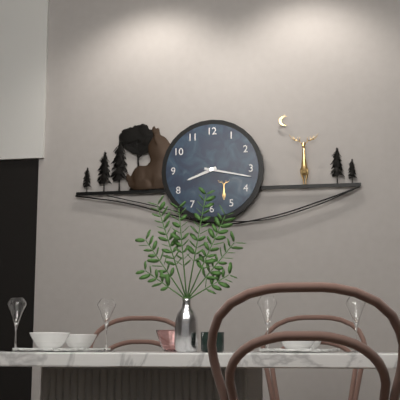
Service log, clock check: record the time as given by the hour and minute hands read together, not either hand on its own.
8:17
